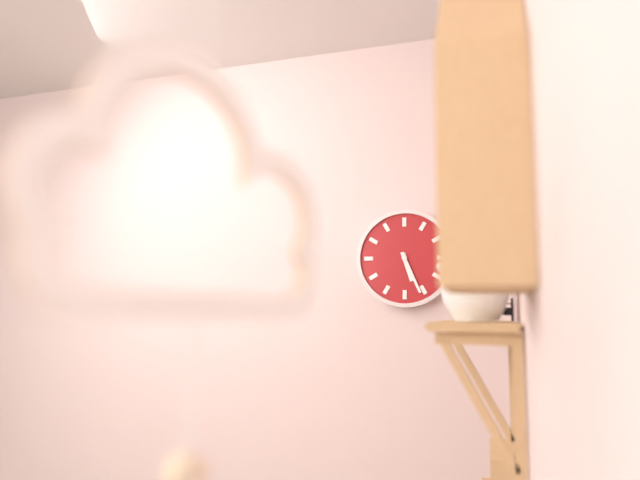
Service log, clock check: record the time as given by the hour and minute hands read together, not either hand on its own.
5:26
